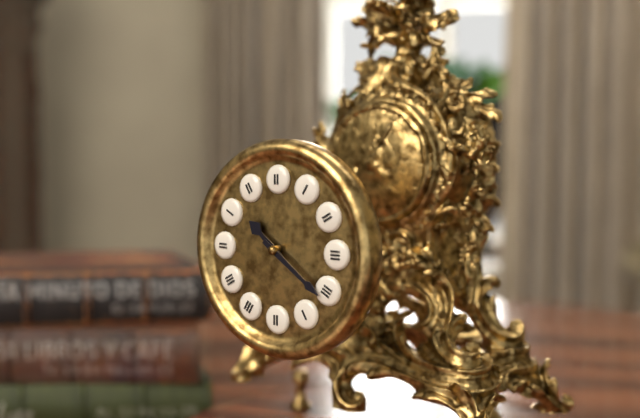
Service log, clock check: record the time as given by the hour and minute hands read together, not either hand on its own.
10:21
